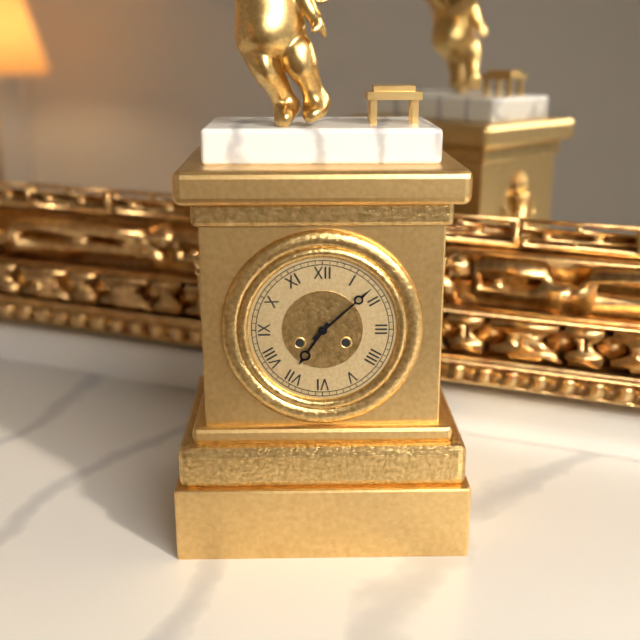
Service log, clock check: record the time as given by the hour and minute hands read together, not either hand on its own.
7:08
